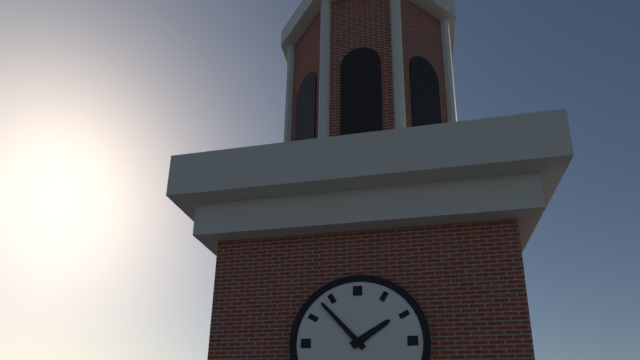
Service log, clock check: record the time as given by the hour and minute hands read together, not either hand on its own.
1:53
